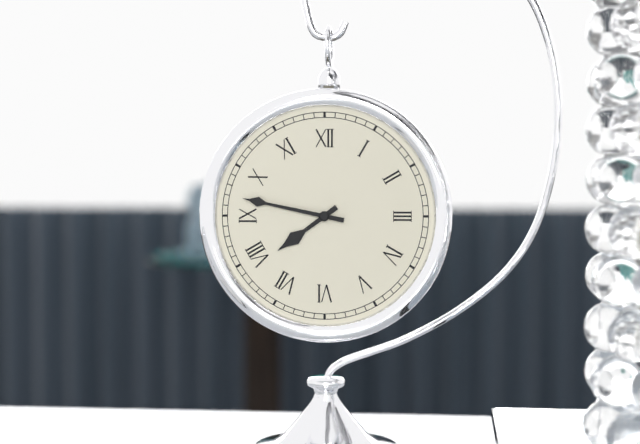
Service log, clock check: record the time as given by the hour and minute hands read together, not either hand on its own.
7:47
